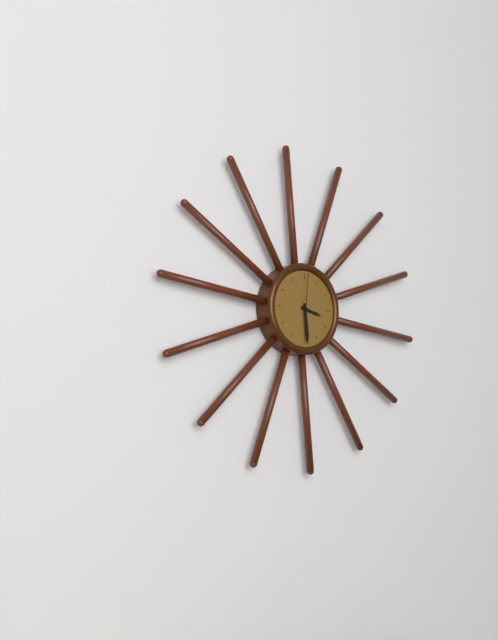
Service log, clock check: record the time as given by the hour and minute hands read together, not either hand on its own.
3:29
